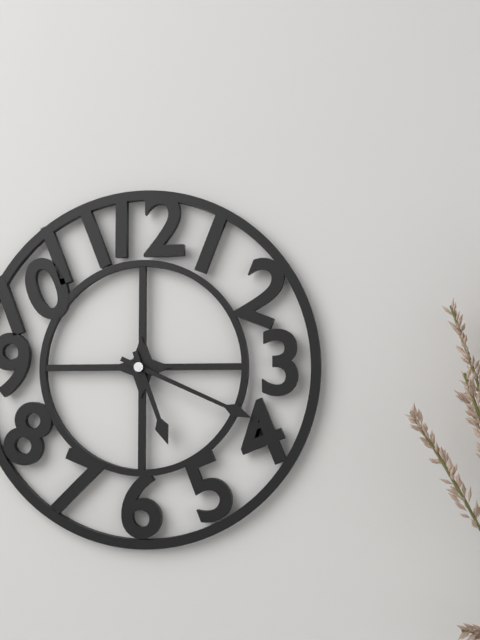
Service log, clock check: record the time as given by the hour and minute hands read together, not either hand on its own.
5:19
